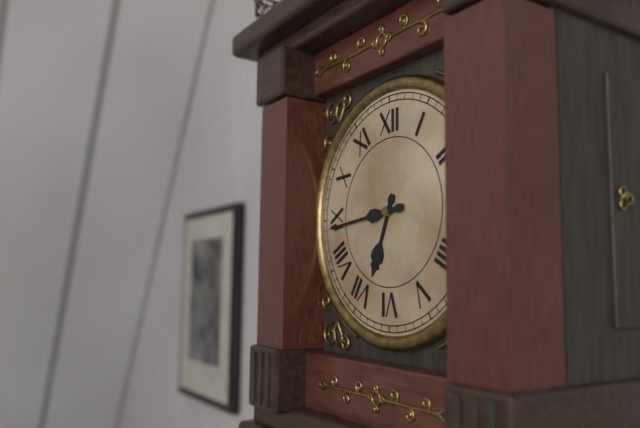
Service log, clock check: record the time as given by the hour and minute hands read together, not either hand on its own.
6:44
